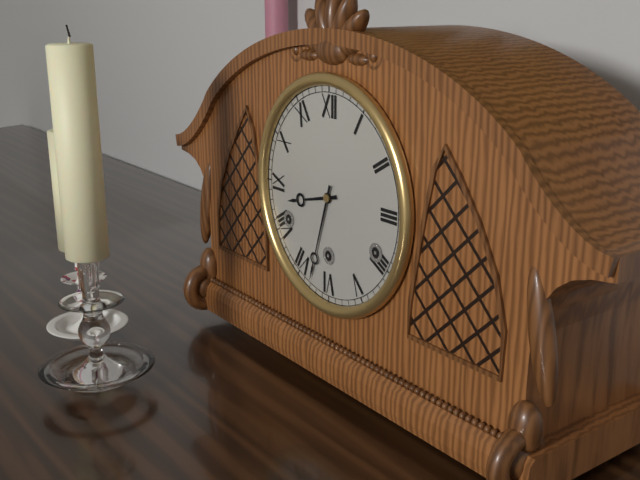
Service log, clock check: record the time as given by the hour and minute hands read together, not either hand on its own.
8:33
